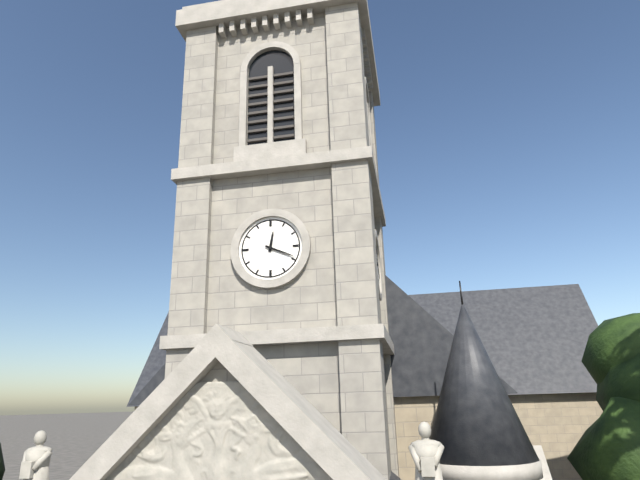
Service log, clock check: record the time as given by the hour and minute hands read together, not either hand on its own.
12:19
